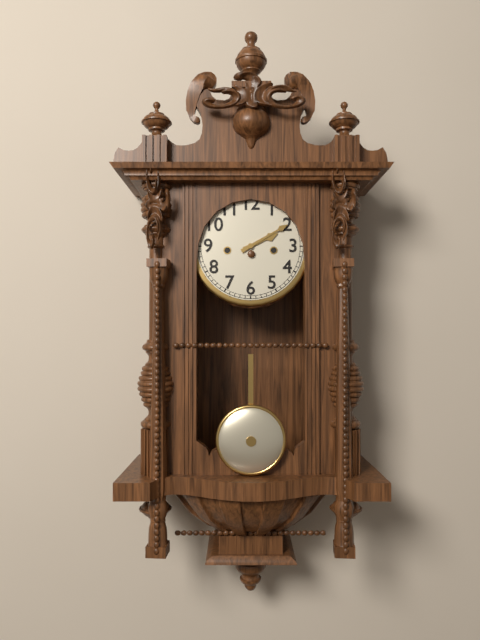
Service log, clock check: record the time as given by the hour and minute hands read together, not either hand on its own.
2:10
